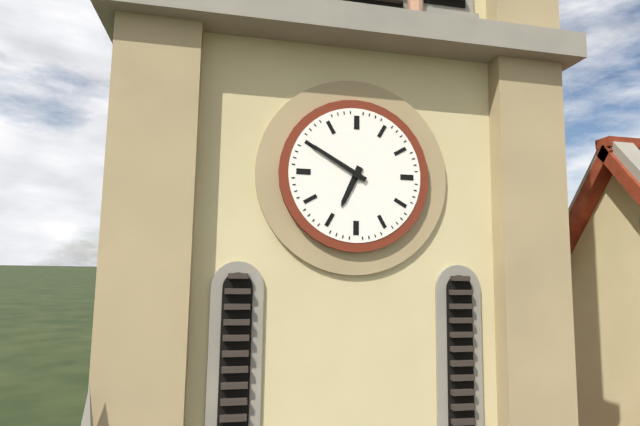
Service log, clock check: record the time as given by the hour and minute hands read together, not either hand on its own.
6:50
